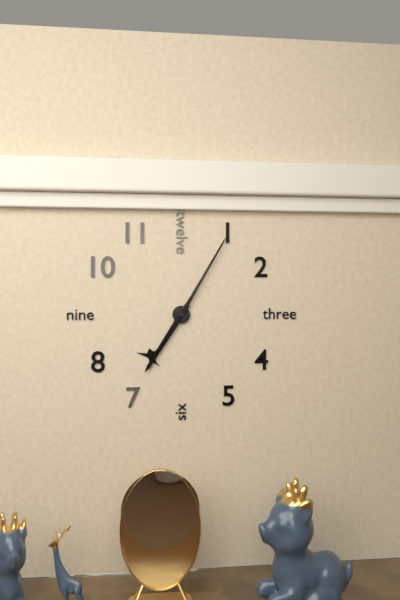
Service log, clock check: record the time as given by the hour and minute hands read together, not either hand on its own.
7:05
